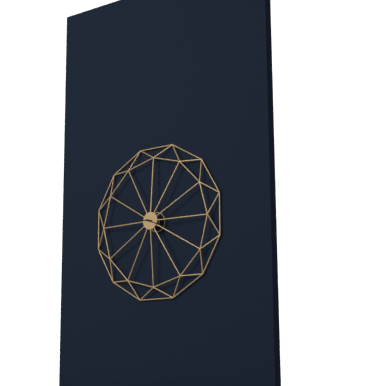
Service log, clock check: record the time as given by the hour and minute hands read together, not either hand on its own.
9:19
